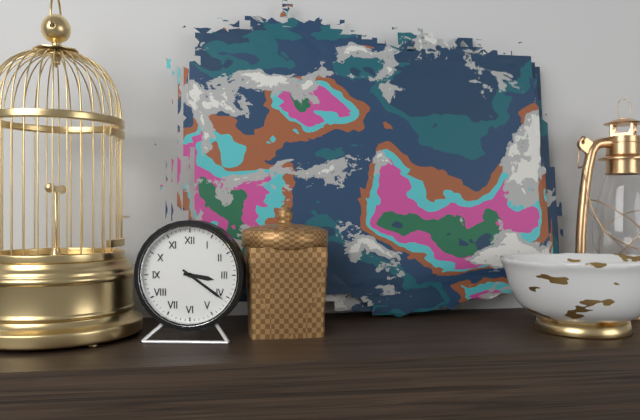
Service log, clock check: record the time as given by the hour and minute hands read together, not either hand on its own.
3:21
